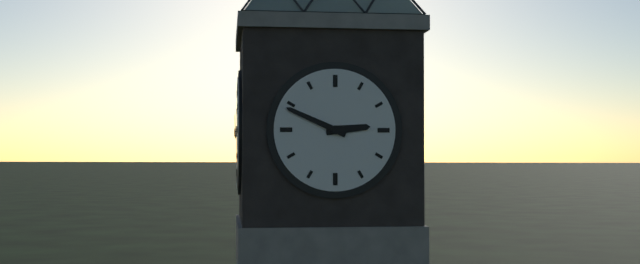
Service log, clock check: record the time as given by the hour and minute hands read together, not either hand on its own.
2:49
